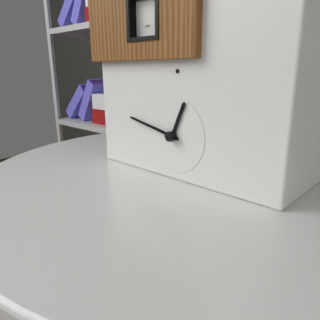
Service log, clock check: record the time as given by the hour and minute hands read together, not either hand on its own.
12:47
